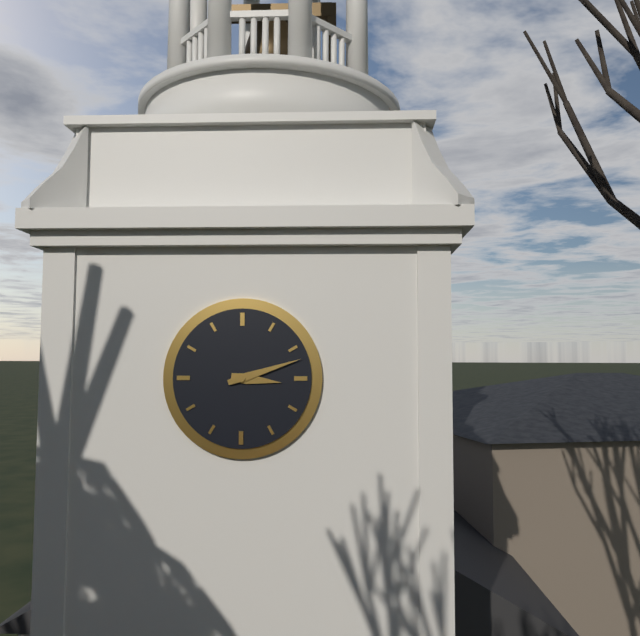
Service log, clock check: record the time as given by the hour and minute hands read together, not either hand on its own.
3:12
